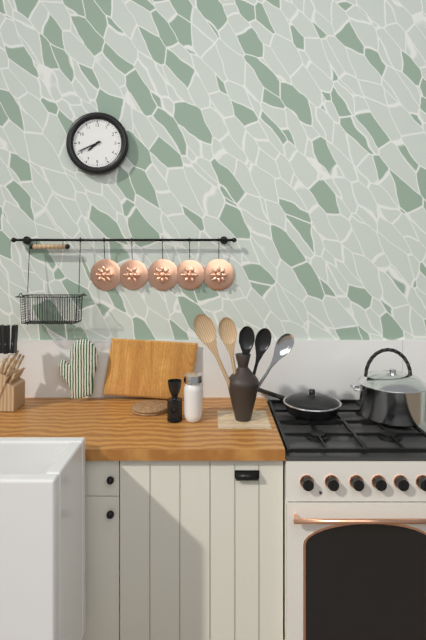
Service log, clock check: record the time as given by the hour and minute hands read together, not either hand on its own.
7:41
